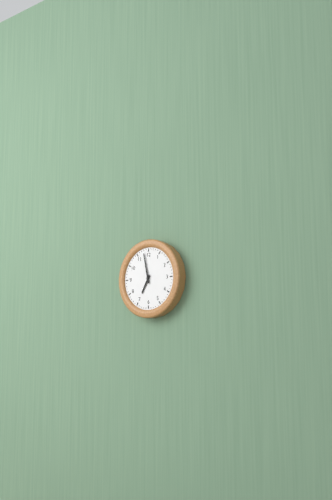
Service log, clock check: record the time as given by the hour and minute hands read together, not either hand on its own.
6:58
